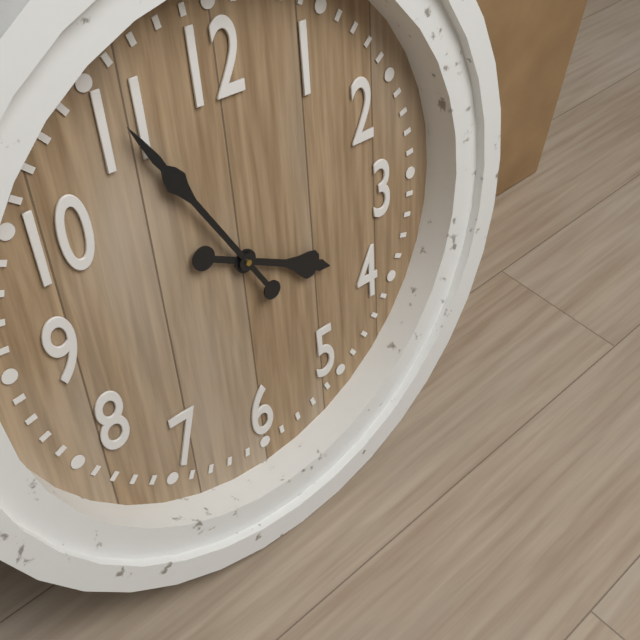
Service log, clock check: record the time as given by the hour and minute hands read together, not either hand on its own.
3:55
